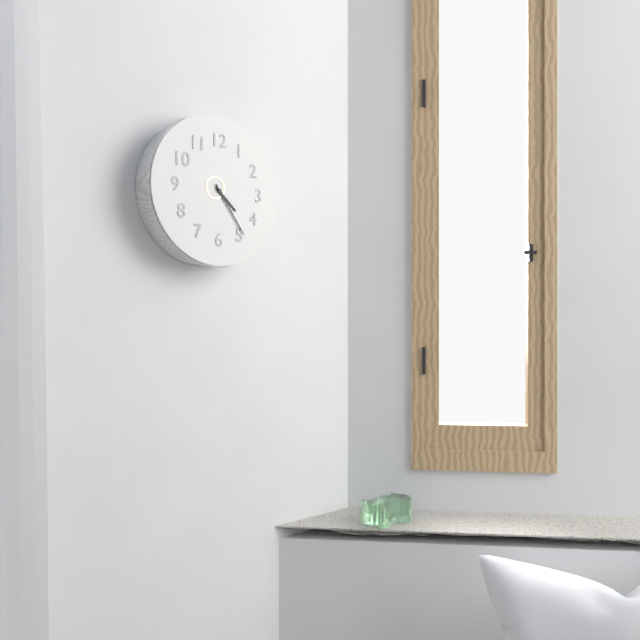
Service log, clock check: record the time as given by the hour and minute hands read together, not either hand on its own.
4:24
